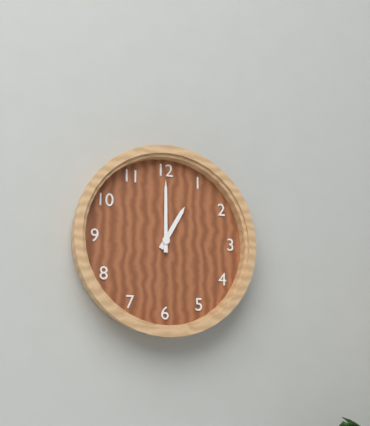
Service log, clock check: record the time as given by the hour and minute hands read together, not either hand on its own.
1:00
